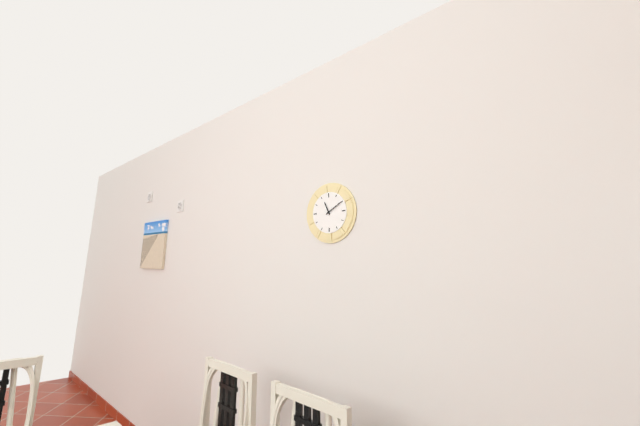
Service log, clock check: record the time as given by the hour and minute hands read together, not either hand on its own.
11:10
